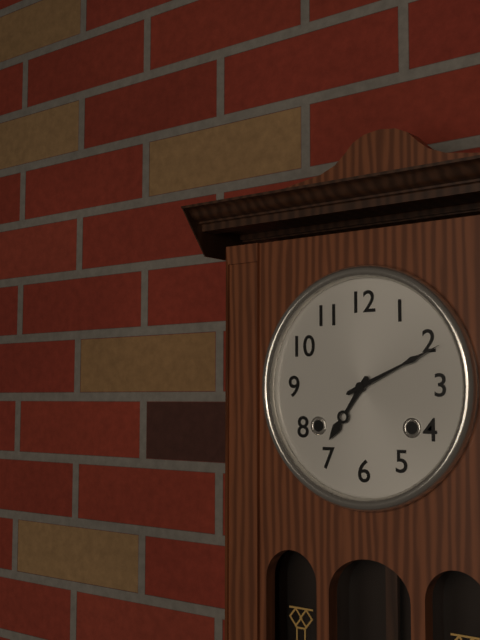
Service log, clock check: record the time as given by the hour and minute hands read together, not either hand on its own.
7:11
